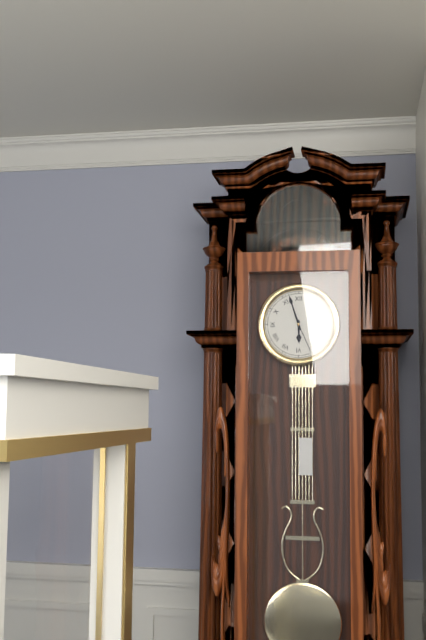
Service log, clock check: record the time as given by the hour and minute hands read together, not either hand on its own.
5:57
